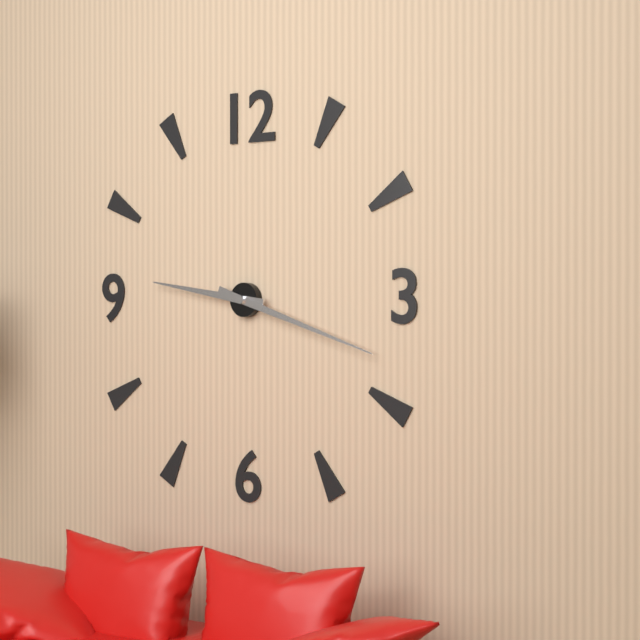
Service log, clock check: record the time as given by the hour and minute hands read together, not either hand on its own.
9:18
